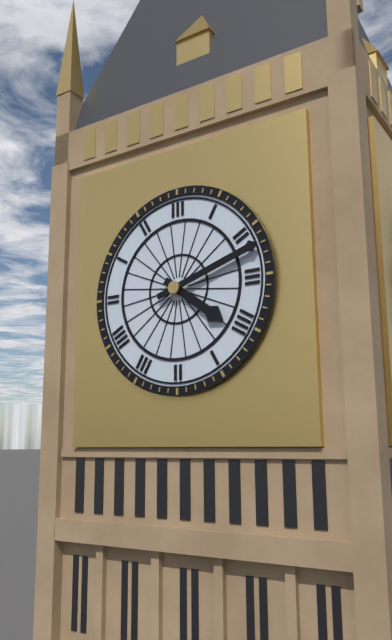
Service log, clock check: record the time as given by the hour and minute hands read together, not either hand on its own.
4:12
